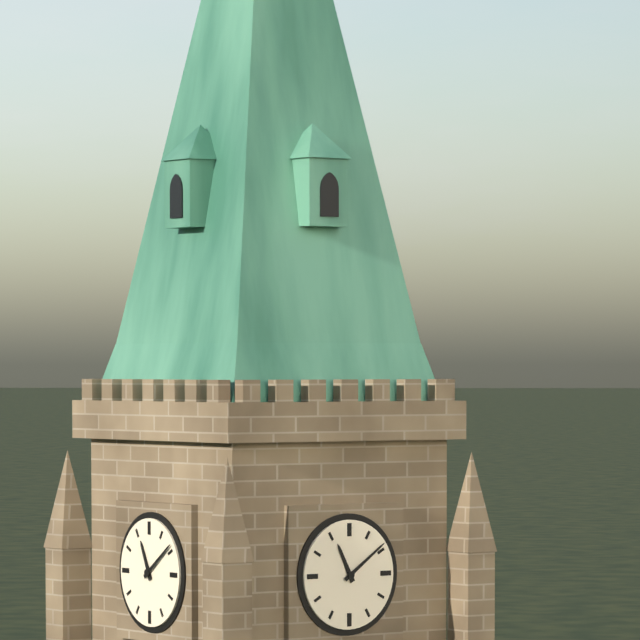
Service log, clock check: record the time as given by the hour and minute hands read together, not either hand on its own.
11:09
